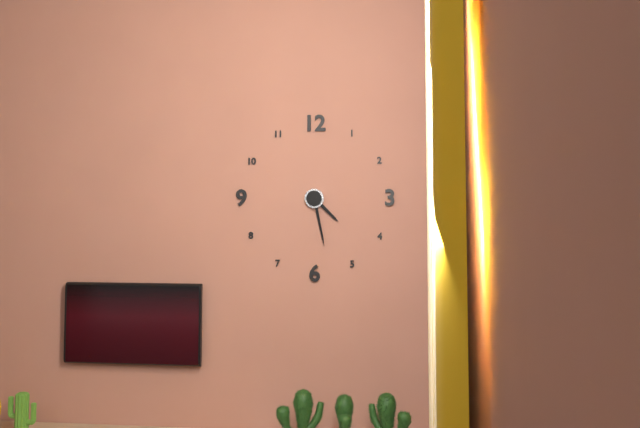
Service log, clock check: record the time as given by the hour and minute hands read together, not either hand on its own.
4:28
